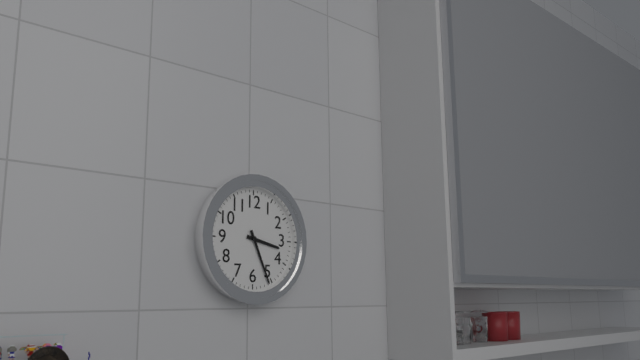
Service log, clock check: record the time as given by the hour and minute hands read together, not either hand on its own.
3:26
